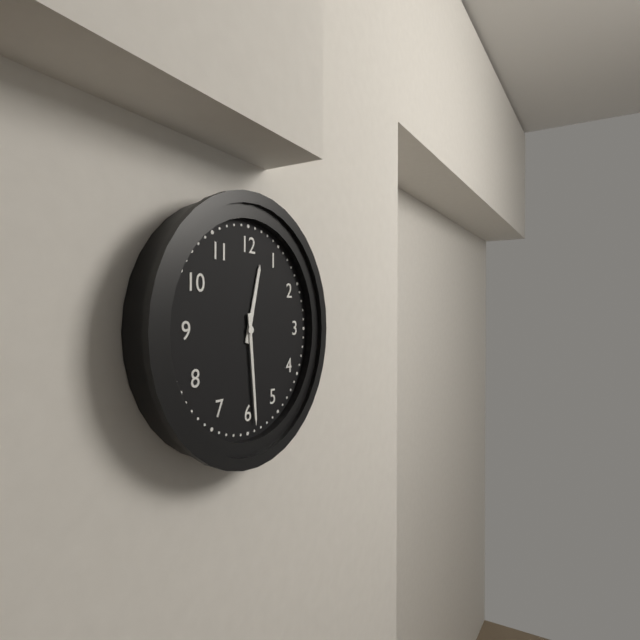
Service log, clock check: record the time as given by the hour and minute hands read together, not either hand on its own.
12:29
